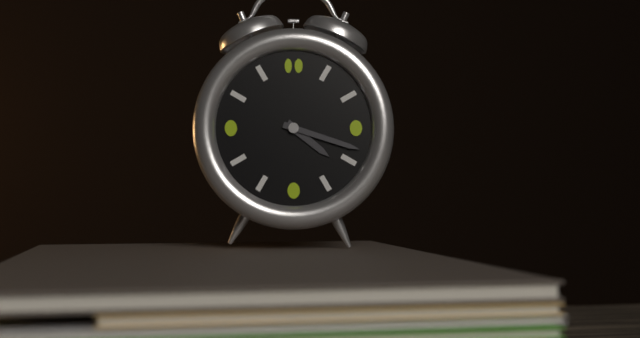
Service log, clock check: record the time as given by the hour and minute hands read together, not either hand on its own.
4:18
